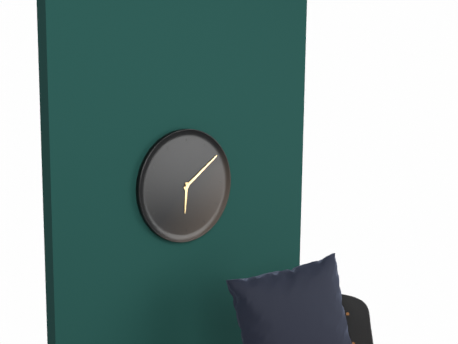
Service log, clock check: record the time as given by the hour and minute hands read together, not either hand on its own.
6:09
